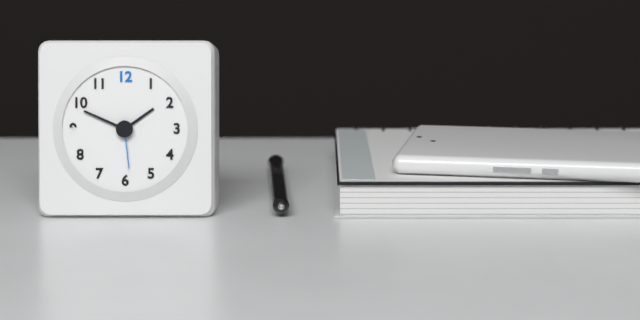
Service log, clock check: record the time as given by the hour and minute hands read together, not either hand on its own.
1:49
